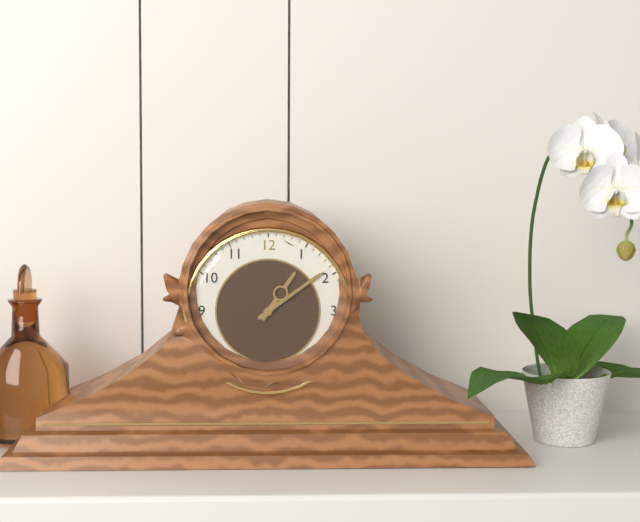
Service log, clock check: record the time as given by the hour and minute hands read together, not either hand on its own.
1:09
